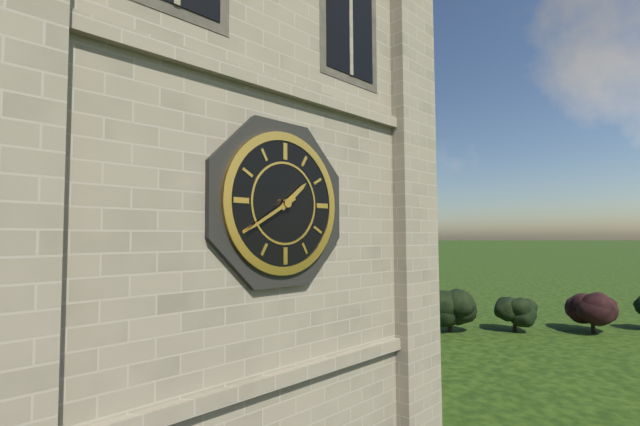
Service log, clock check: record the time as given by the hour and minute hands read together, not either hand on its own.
1:40
